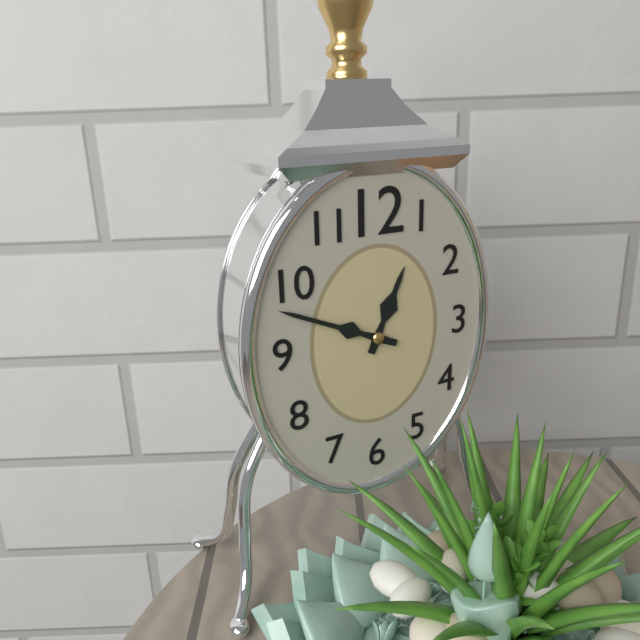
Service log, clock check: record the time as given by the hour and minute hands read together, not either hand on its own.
12:49
